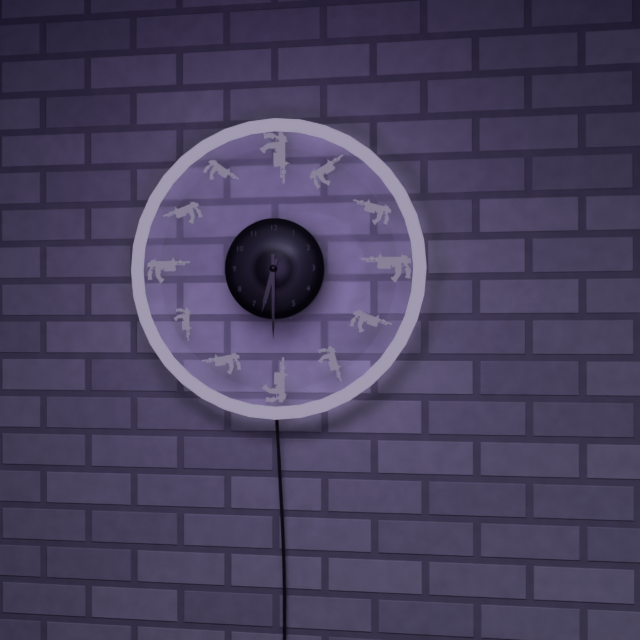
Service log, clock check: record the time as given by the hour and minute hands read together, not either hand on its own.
6:30
